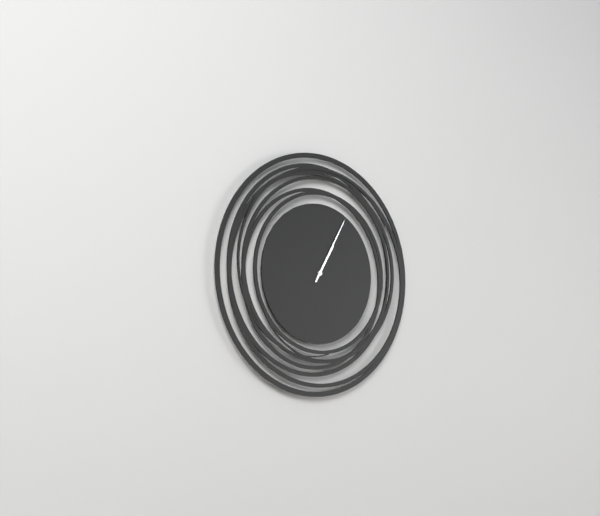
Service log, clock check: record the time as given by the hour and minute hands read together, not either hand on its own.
1:05
